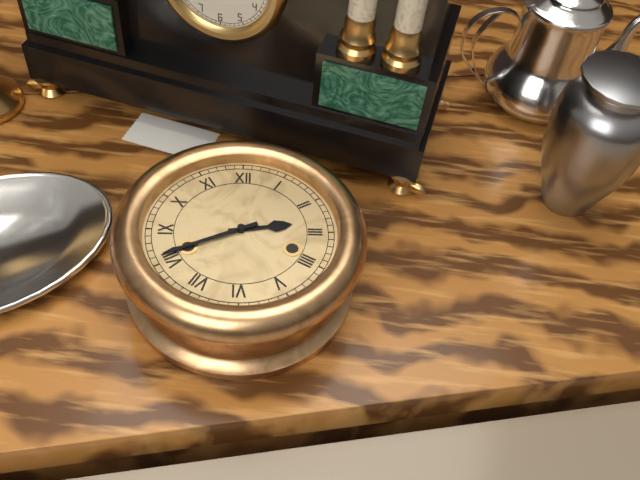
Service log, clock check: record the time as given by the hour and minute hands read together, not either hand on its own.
2:41
